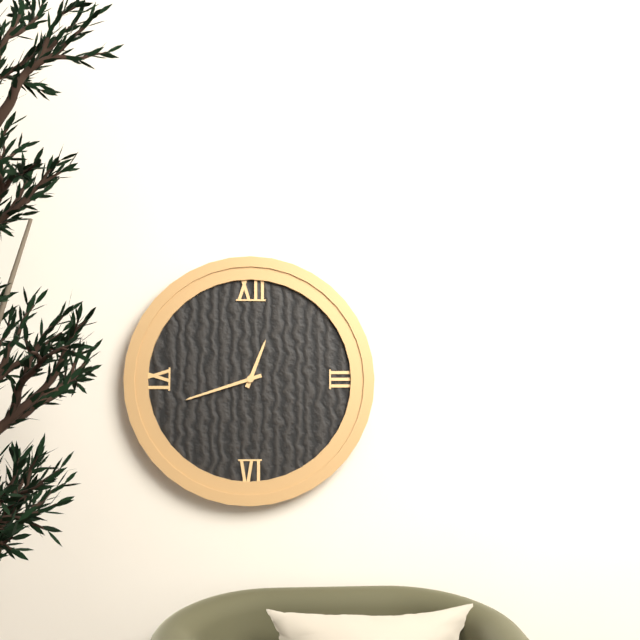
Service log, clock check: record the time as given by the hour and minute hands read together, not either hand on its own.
12:42
